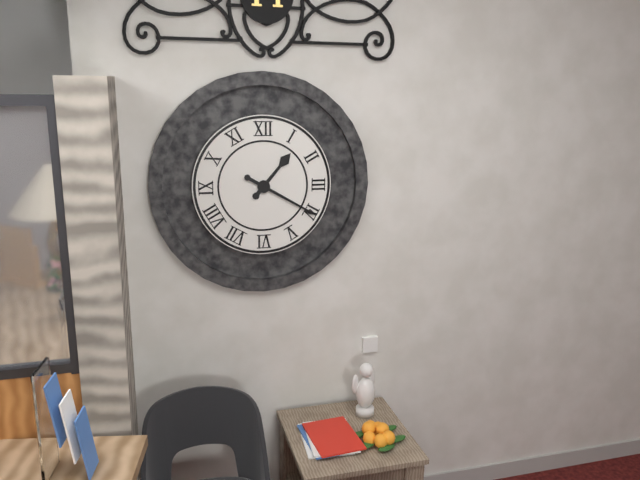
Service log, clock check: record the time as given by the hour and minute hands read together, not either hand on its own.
1:20
